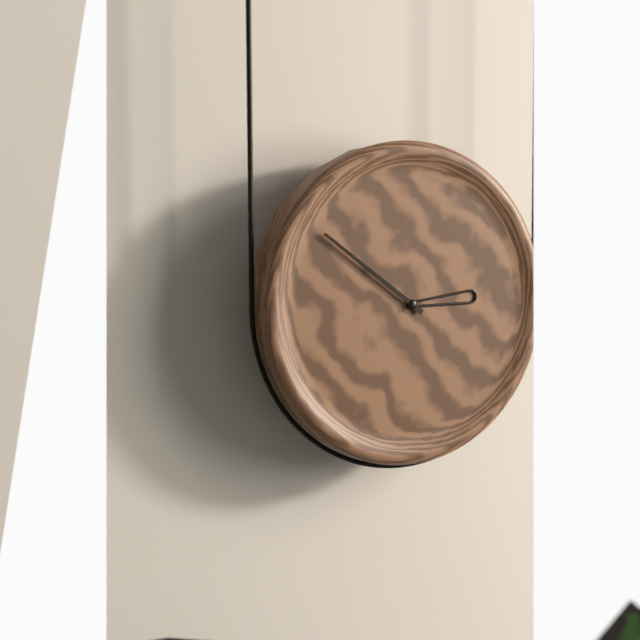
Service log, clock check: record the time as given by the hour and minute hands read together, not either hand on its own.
2:51
